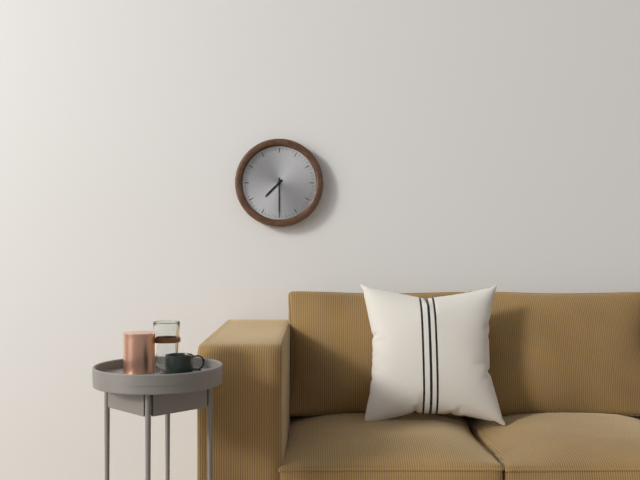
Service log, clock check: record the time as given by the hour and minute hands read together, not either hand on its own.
7:30
